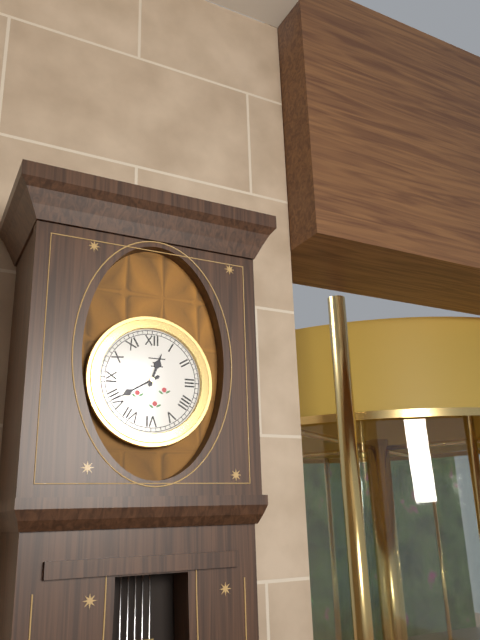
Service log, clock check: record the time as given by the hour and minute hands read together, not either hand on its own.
12:40
